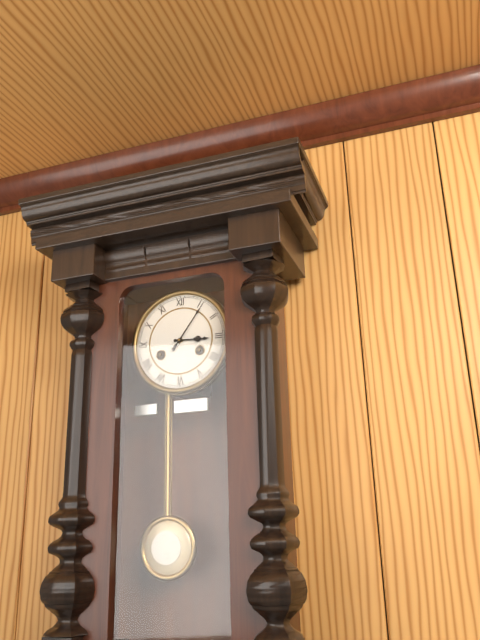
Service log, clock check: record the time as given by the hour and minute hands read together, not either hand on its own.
3:06
